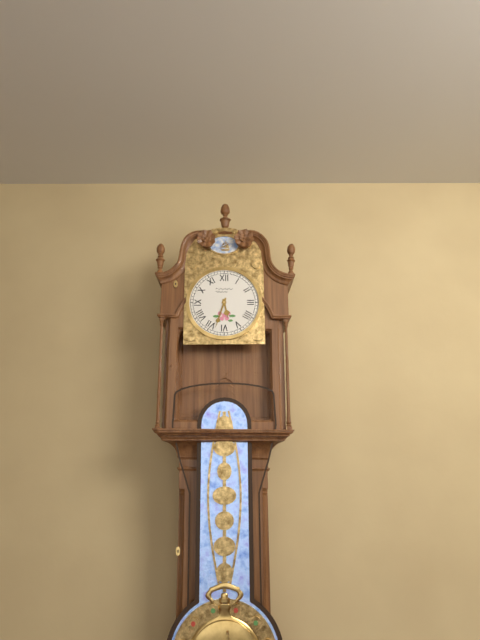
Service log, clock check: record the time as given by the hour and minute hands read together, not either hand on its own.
5:33
